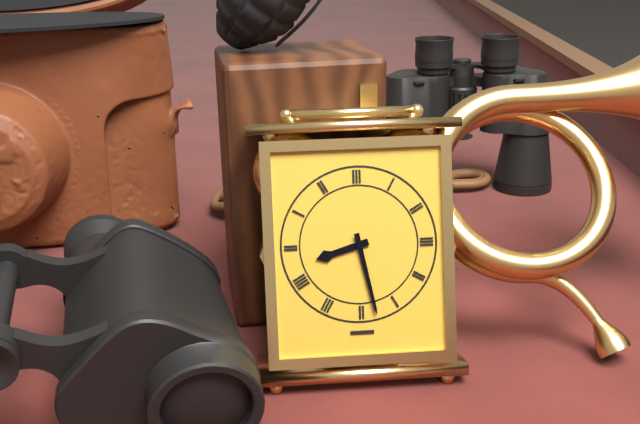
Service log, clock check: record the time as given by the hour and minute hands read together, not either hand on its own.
8:28
